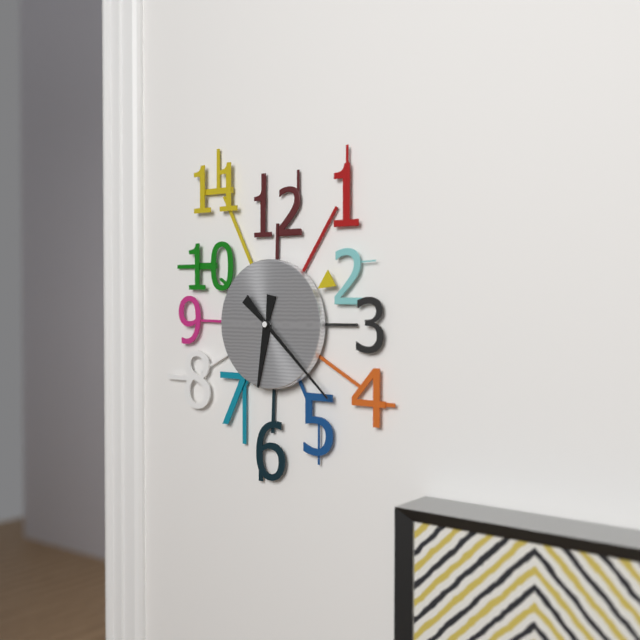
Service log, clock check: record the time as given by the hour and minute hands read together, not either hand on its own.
6:22
